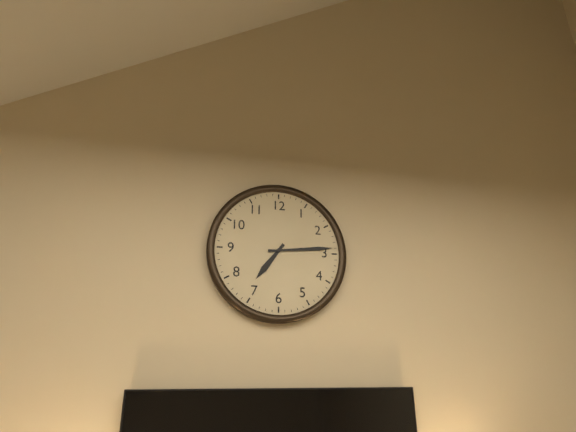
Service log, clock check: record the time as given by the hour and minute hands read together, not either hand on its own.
7:14
